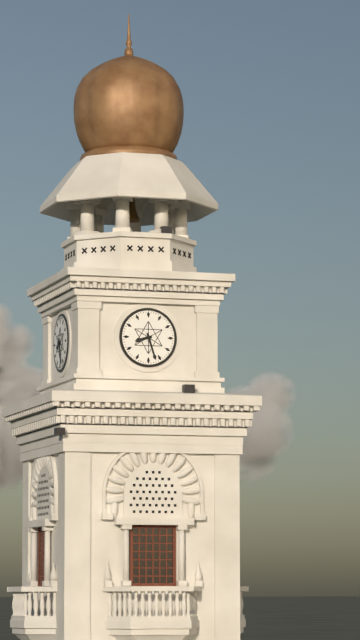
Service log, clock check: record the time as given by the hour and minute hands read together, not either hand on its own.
8:27
